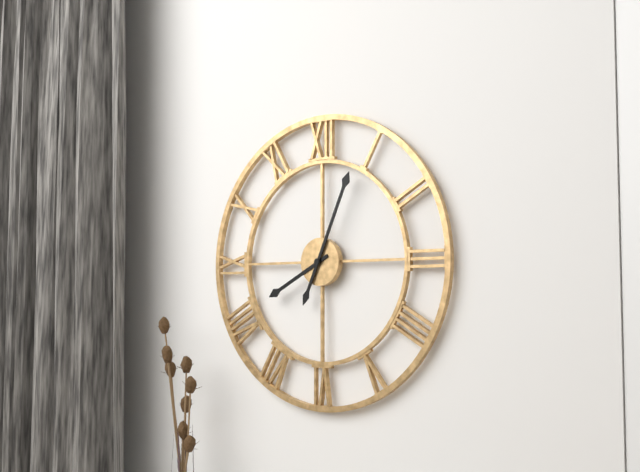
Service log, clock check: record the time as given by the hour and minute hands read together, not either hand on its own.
8:04
